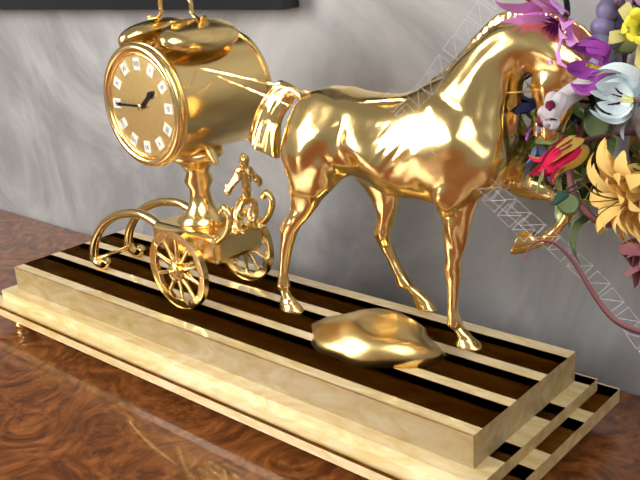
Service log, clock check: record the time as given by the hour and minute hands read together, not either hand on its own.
1:45
